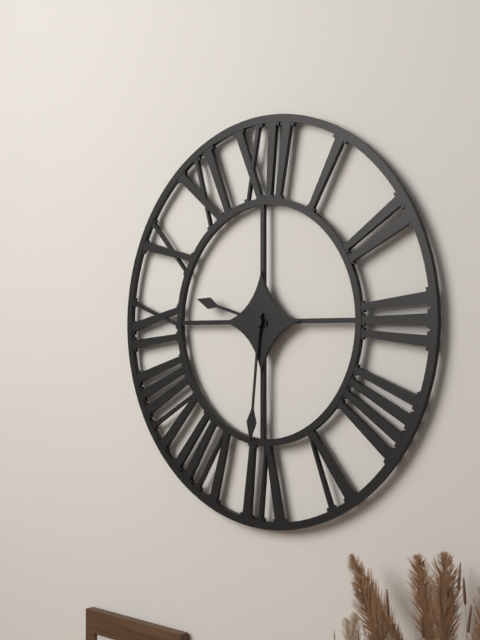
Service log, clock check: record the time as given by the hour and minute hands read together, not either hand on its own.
9:31
